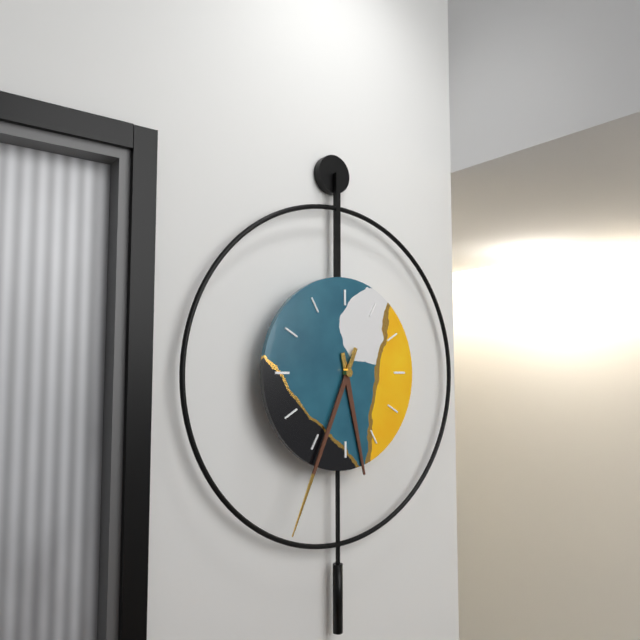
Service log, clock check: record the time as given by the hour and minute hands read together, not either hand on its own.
5:34
